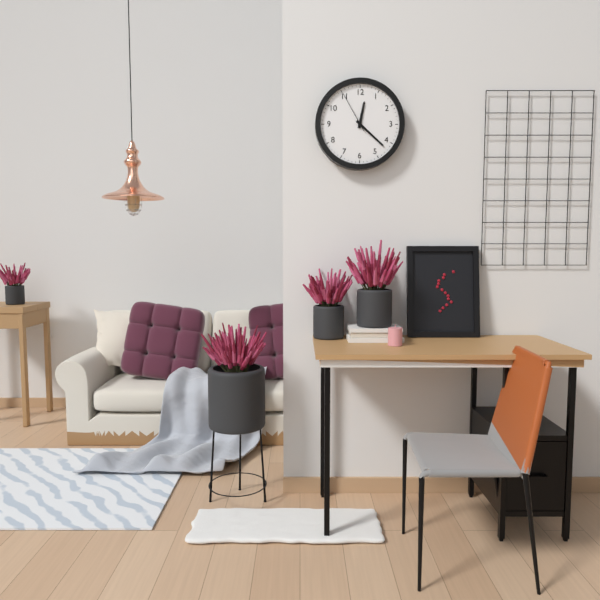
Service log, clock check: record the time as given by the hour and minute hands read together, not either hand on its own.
12:22
